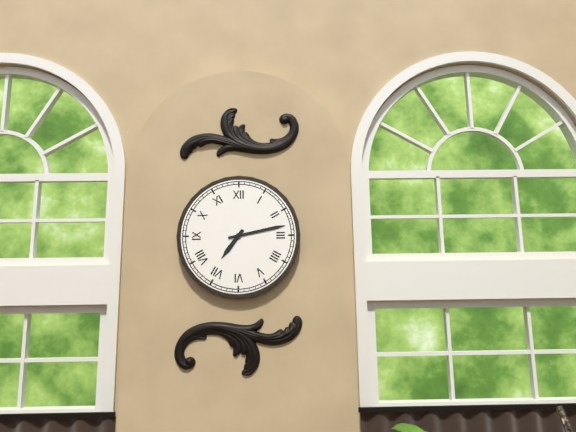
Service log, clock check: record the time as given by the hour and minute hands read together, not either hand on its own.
7:13
